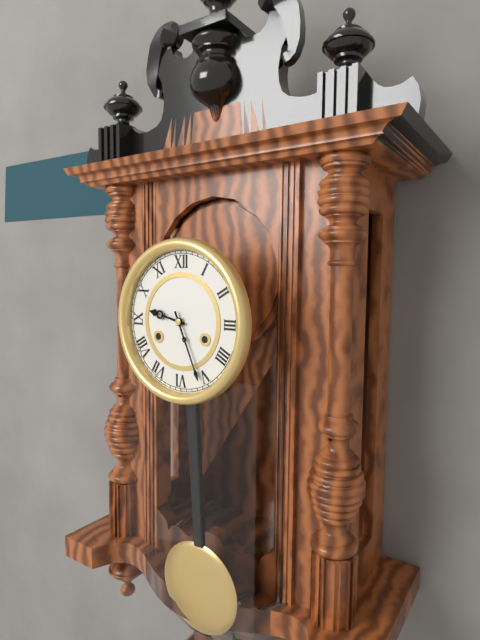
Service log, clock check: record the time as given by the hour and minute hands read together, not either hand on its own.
9:26
